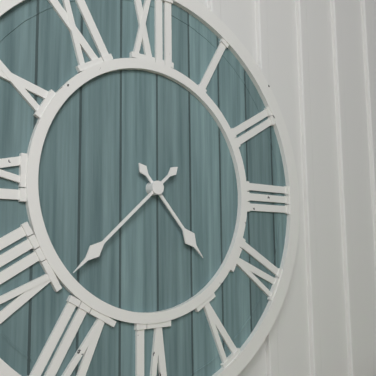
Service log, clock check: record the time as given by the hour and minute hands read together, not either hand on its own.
4:38
